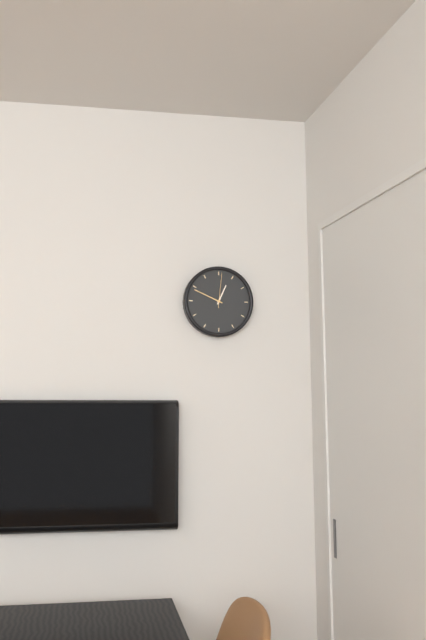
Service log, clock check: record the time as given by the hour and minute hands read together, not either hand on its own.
12:49
